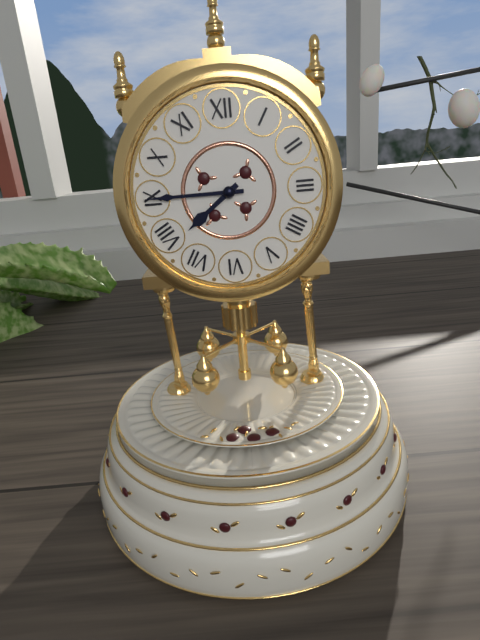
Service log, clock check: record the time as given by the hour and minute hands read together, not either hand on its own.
7:45
